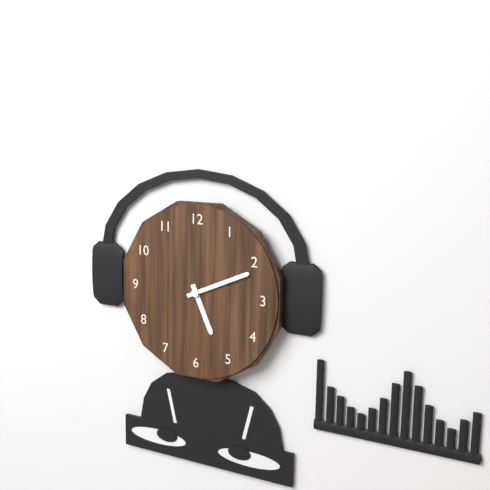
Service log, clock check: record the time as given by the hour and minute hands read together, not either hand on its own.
5:11
